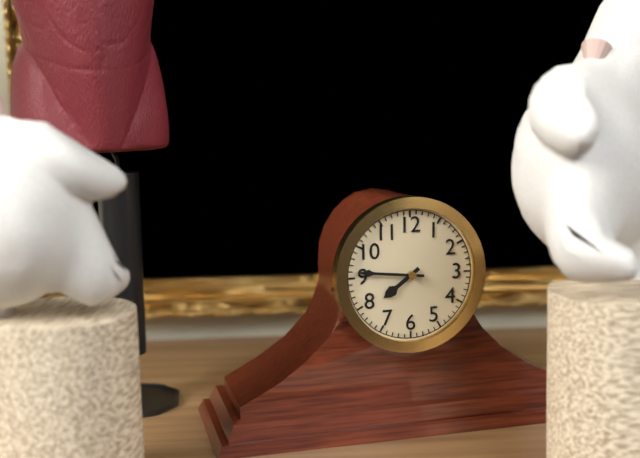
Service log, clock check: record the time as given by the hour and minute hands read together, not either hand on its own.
7:46
